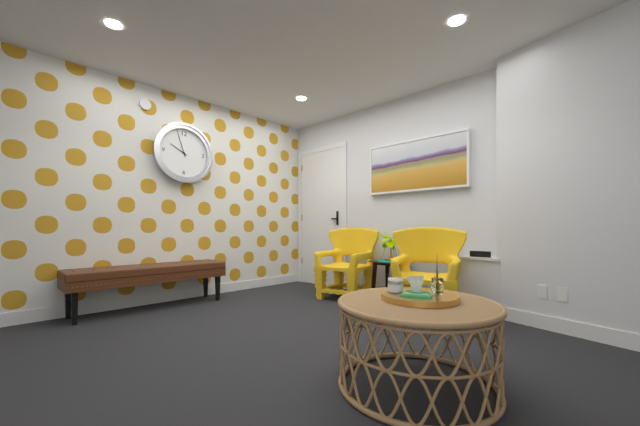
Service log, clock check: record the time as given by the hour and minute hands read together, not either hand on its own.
9:57
